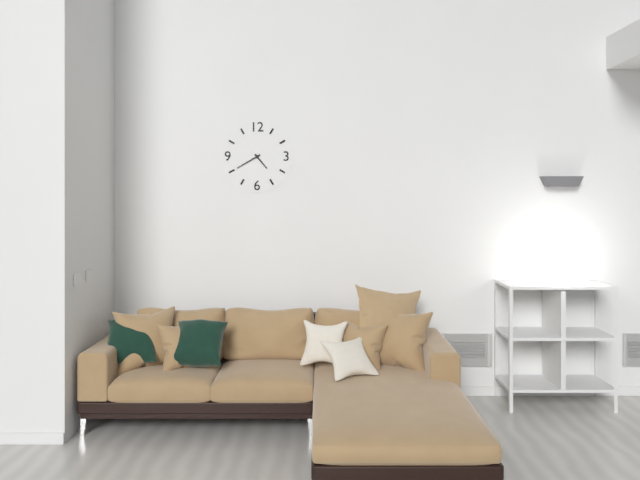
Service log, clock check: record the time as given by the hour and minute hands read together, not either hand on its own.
4:40
